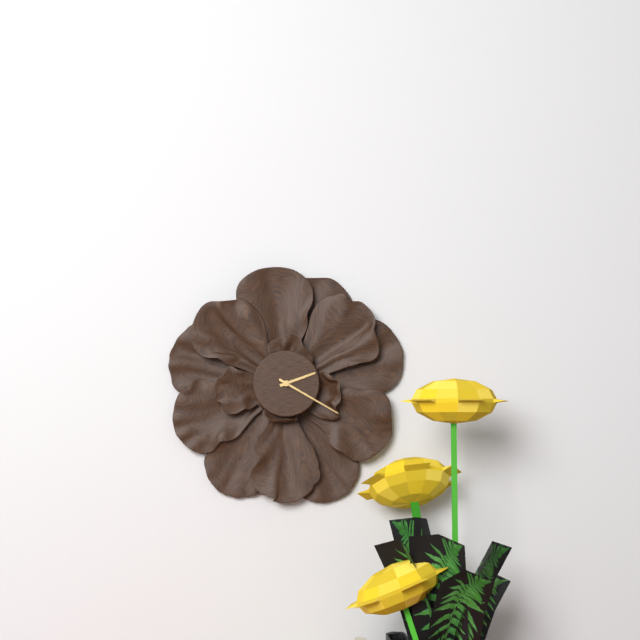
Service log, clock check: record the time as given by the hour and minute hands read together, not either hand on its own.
2:20
